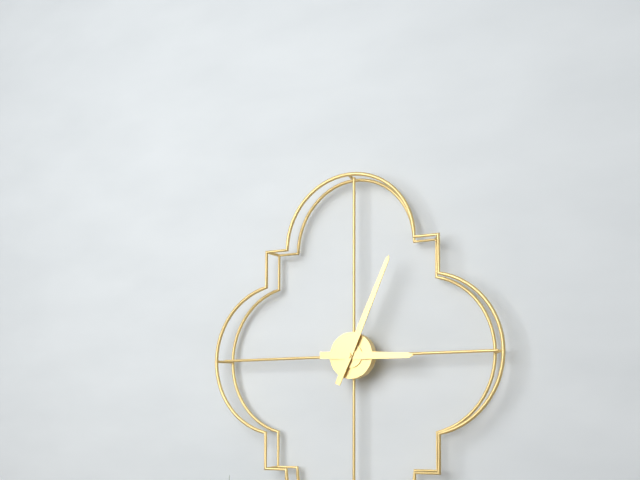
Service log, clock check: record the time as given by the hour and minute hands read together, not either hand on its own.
3:04
